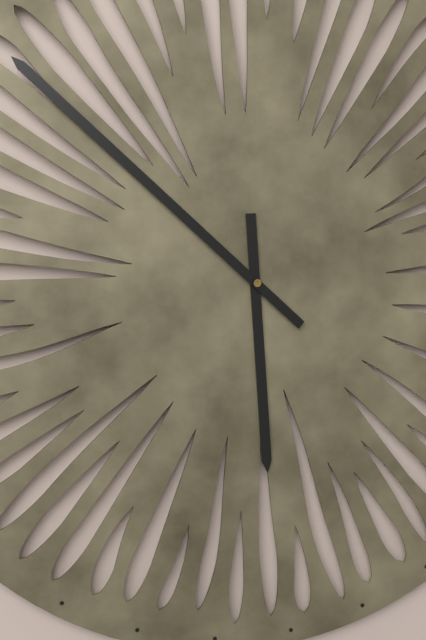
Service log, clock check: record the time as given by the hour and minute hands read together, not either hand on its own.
5:52
